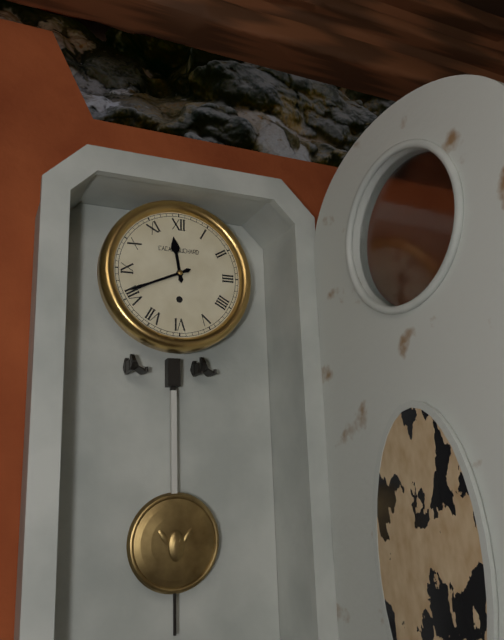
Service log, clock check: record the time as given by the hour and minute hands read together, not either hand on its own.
11:41
